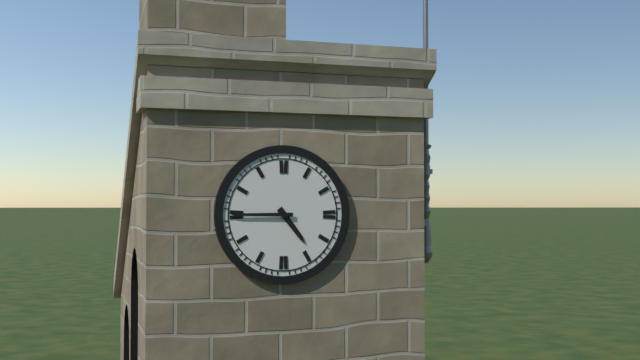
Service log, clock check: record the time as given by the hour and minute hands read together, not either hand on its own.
4:45
